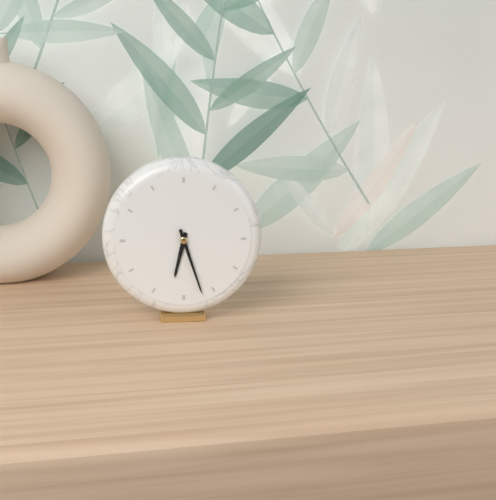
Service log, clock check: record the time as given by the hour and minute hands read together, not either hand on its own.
6:27
